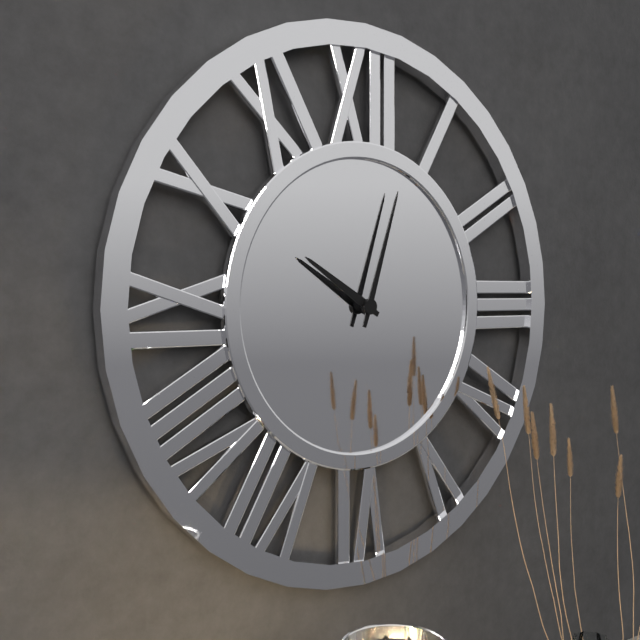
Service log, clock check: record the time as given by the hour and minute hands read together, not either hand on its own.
10:03
